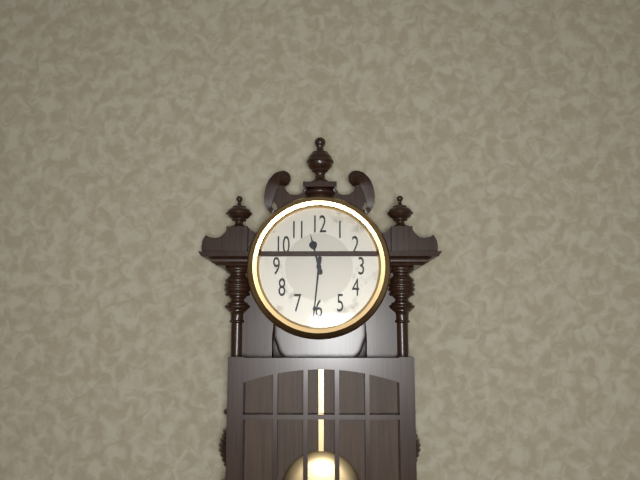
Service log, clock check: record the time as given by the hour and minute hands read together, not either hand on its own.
11:31
